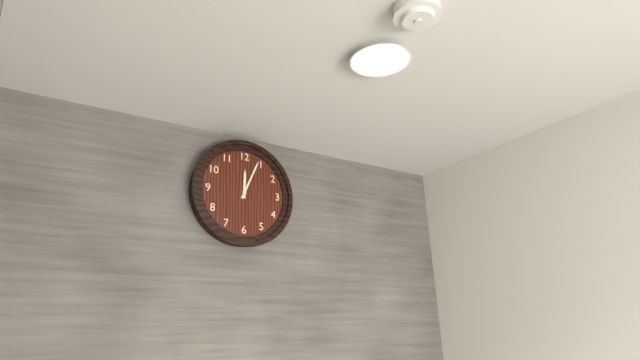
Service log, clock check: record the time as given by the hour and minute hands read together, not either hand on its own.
12:04
